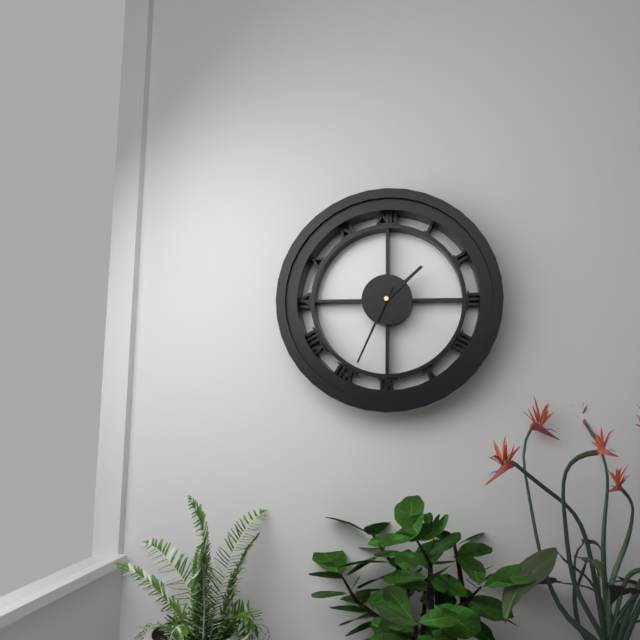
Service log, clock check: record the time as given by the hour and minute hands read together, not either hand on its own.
1:34
